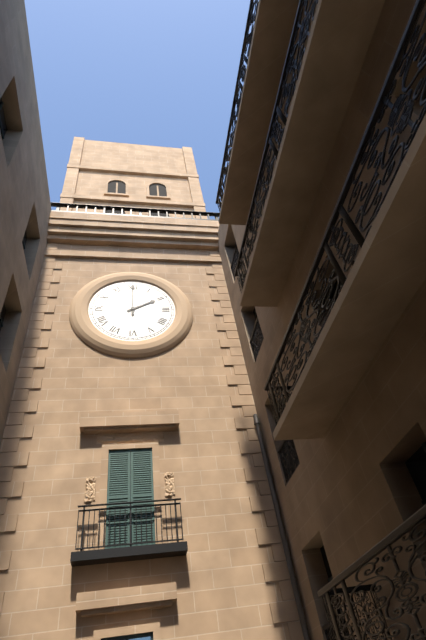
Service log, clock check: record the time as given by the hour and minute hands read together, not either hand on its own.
2:00
